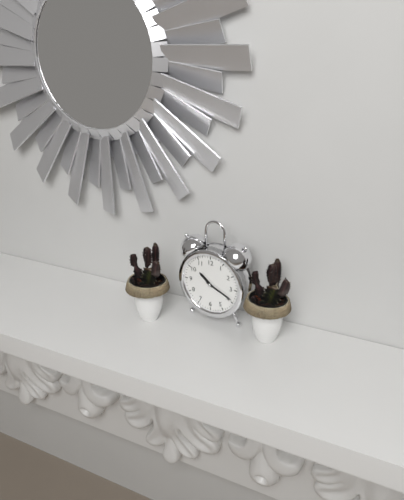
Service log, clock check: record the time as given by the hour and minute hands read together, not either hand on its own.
10:19
